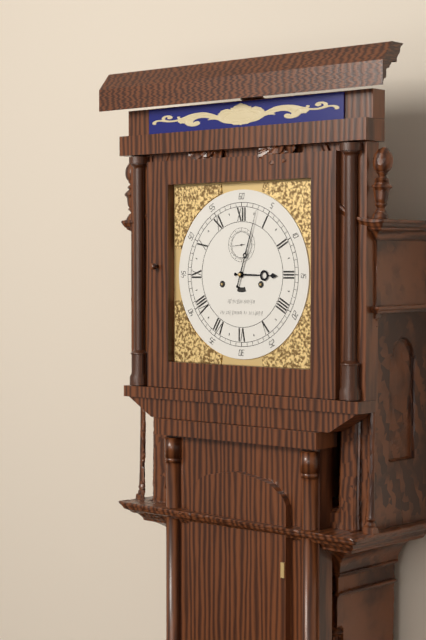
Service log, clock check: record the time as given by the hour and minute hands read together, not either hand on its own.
3:03
